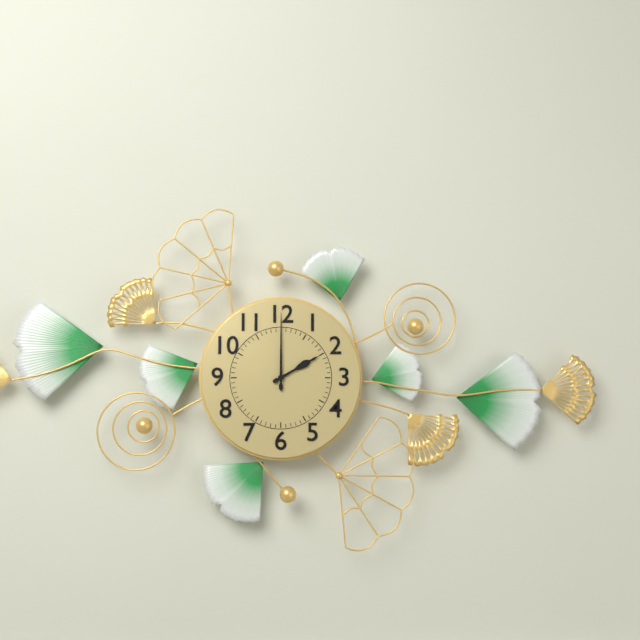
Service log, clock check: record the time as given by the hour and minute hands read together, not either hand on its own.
2:00
